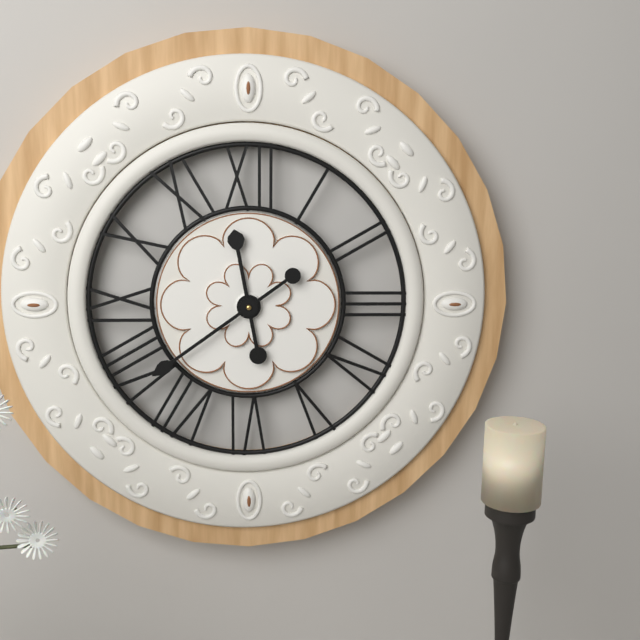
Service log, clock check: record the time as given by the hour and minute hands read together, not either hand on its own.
11:39
